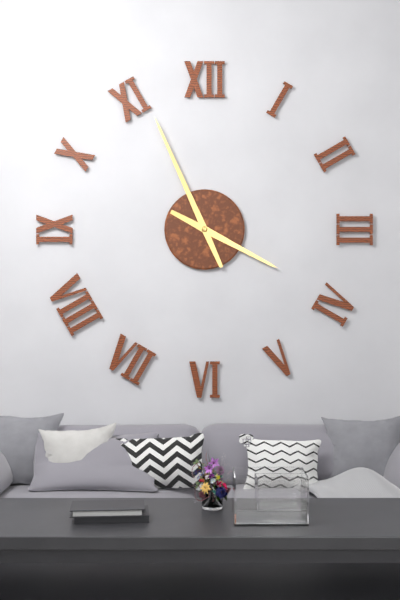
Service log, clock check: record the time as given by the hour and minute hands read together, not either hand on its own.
3:56
